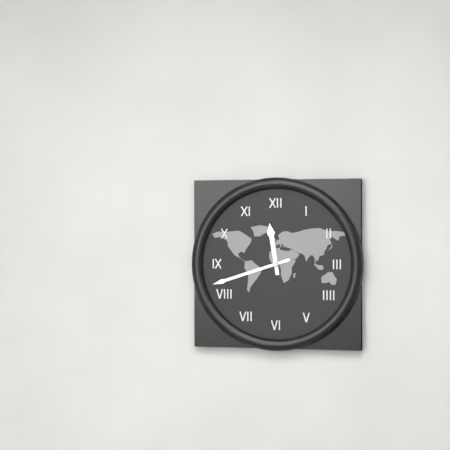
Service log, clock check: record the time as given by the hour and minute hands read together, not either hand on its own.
11:42
